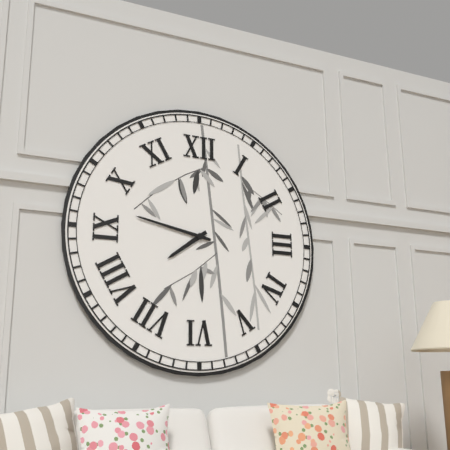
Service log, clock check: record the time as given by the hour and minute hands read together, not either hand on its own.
7:47
